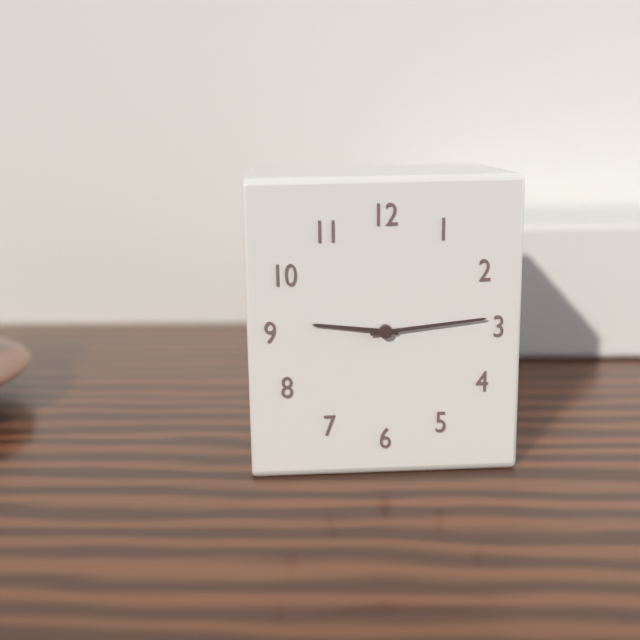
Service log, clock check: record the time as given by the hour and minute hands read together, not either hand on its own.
9:14
